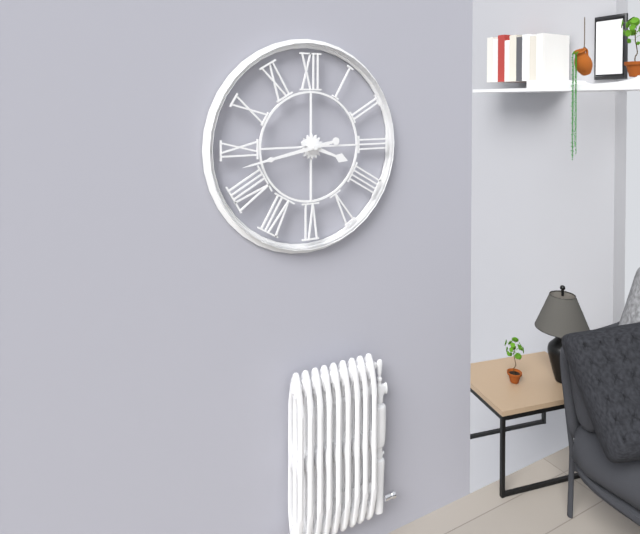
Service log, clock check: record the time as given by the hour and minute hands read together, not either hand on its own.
3:43
